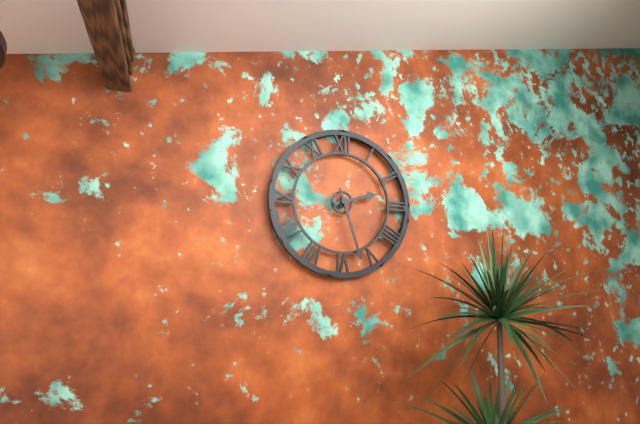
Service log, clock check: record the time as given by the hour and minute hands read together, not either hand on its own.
2:27
